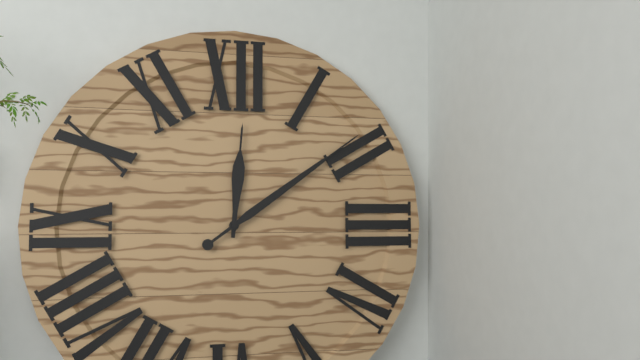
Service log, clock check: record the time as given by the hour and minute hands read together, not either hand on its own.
12:09
